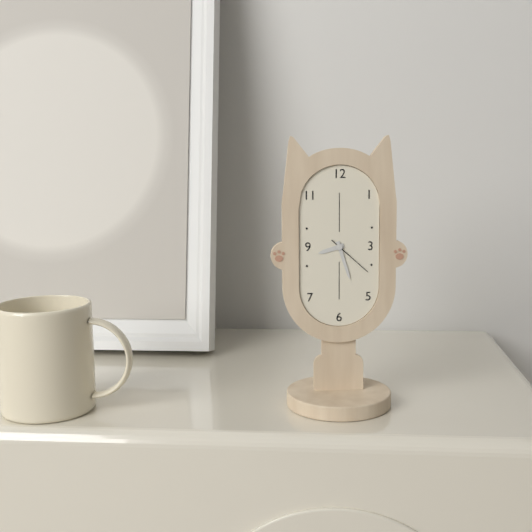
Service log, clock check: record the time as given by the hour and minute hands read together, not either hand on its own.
8:27
